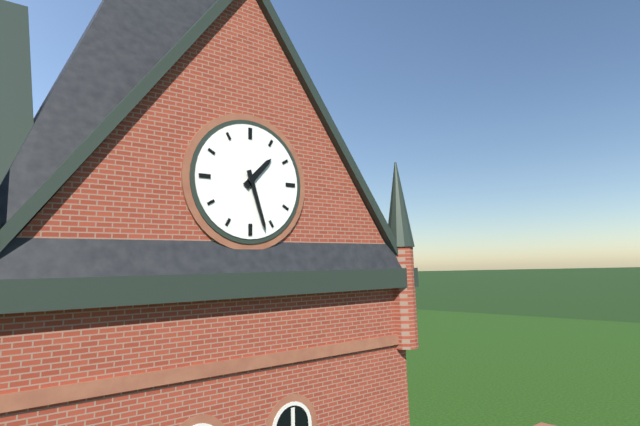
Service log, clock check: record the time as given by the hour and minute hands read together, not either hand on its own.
1:27
